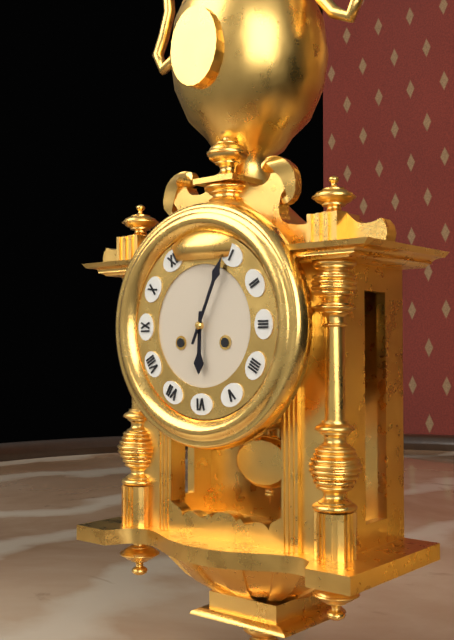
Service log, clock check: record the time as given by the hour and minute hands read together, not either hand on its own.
6:04
